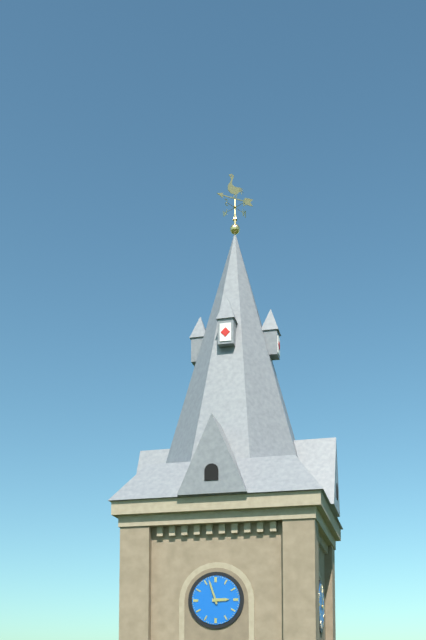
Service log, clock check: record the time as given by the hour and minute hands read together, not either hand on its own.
2:57
